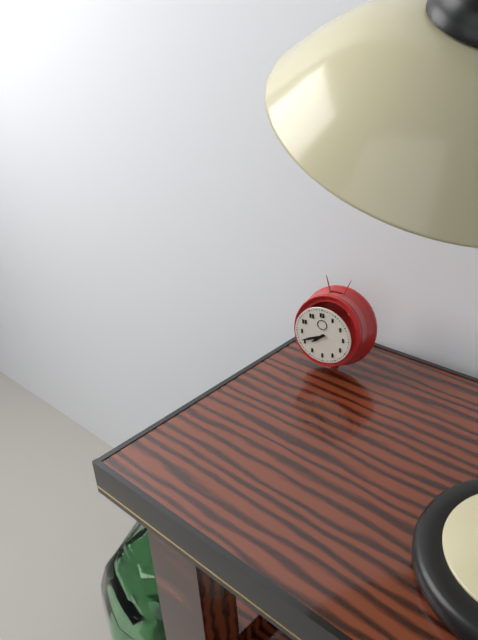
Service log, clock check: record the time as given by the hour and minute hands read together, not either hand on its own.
7:41
